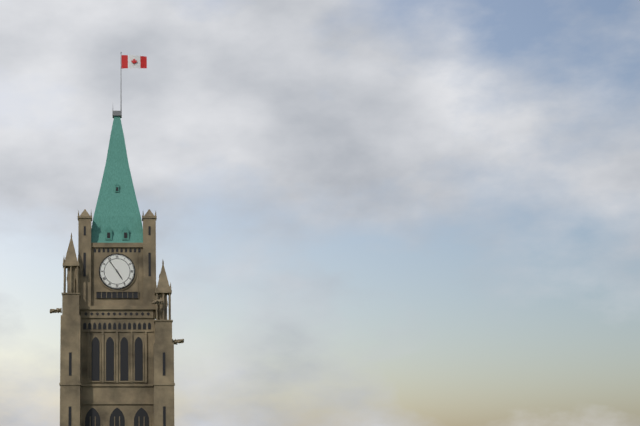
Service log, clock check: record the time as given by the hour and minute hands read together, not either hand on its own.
4:54
